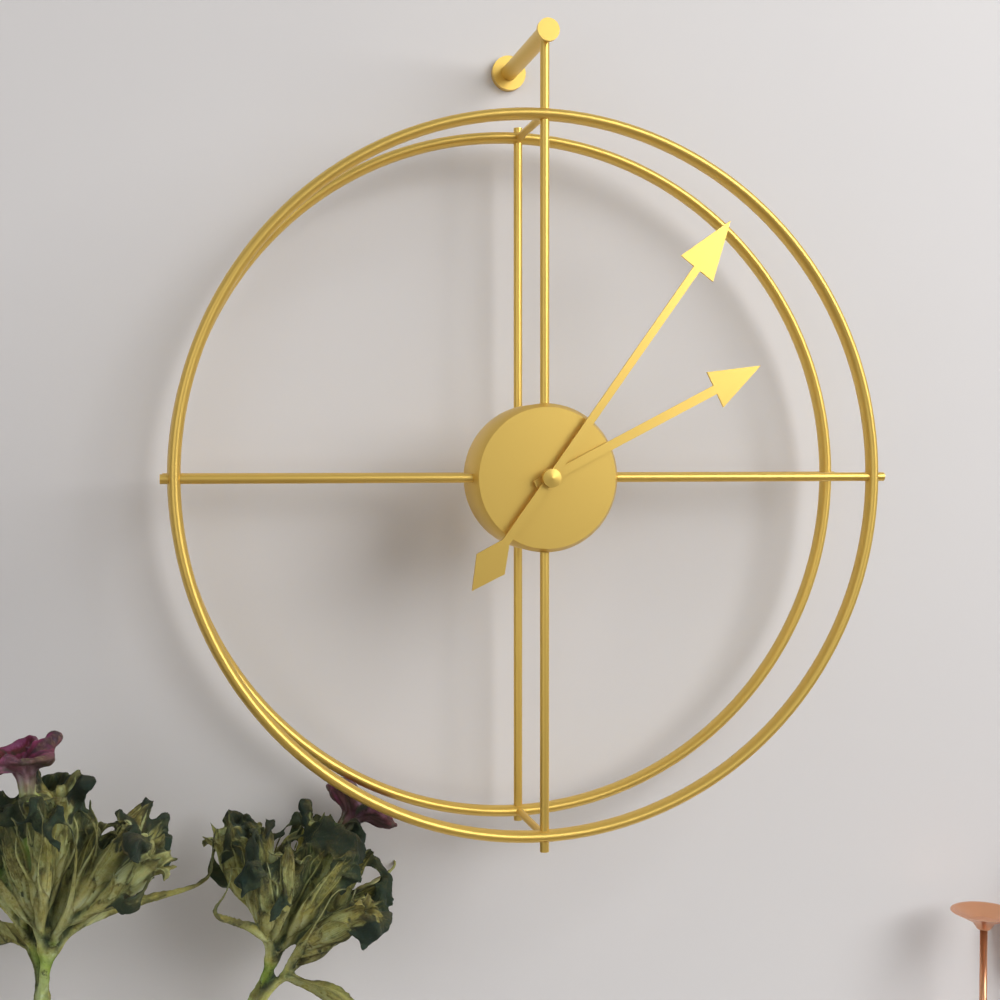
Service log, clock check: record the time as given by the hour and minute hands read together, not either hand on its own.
2:06
